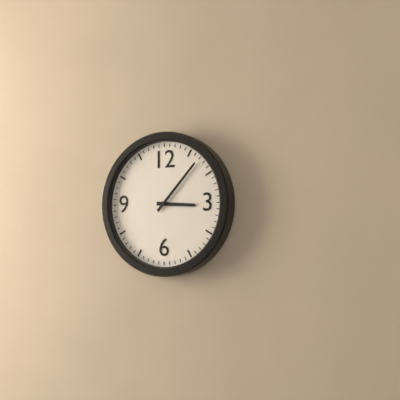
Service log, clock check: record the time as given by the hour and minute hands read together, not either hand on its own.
3:07
